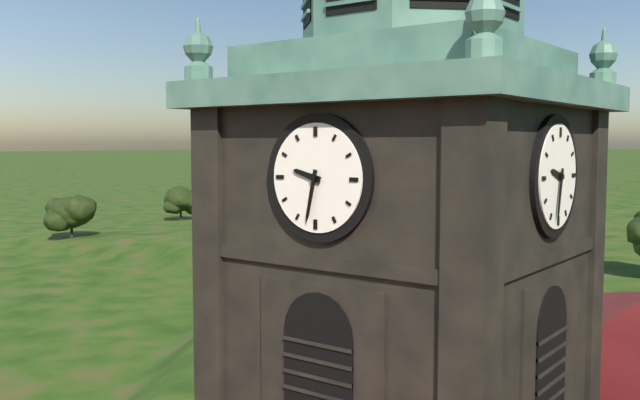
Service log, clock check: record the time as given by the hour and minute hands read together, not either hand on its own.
9:32
